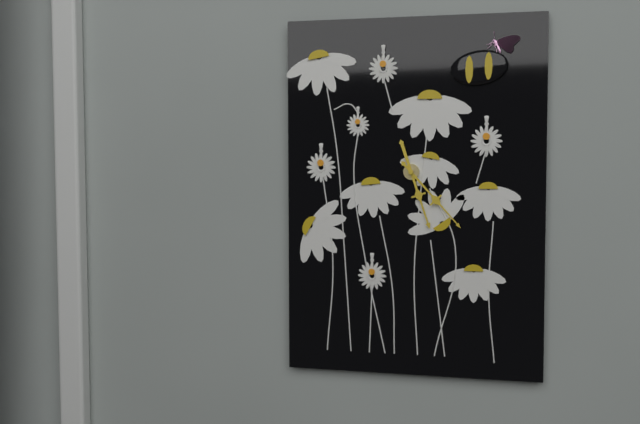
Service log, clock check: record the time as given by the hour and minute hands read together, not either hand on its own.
5:23
